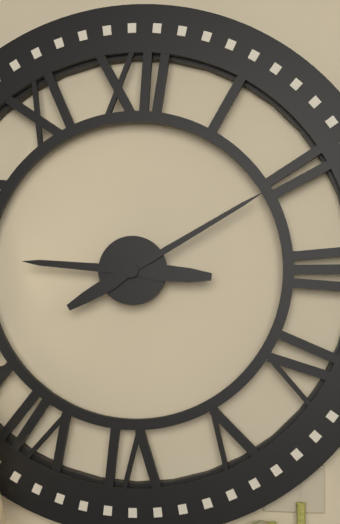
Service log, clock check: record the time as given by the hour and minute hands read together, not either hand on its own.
9:10
